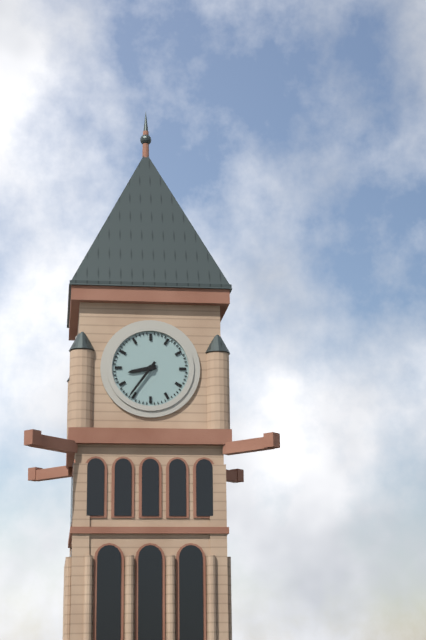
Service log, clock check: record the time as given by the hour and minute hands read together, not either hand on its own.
8:36
